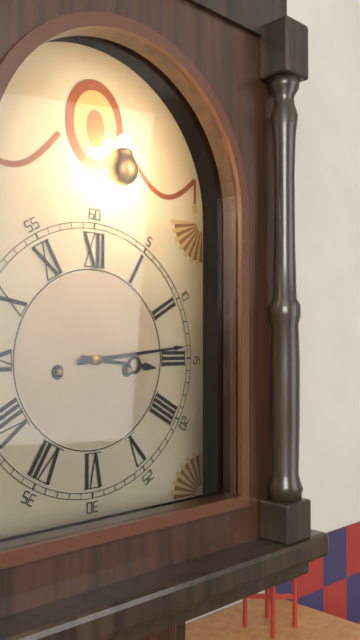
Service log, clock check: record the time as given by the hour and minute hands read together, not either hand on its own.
3:14
